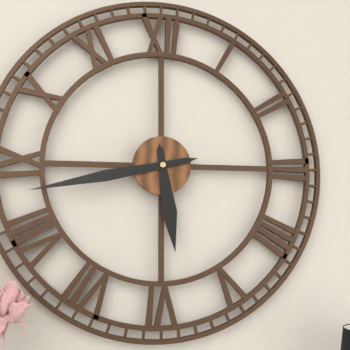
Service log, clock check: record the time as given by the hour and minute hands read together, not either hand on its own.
5:43
